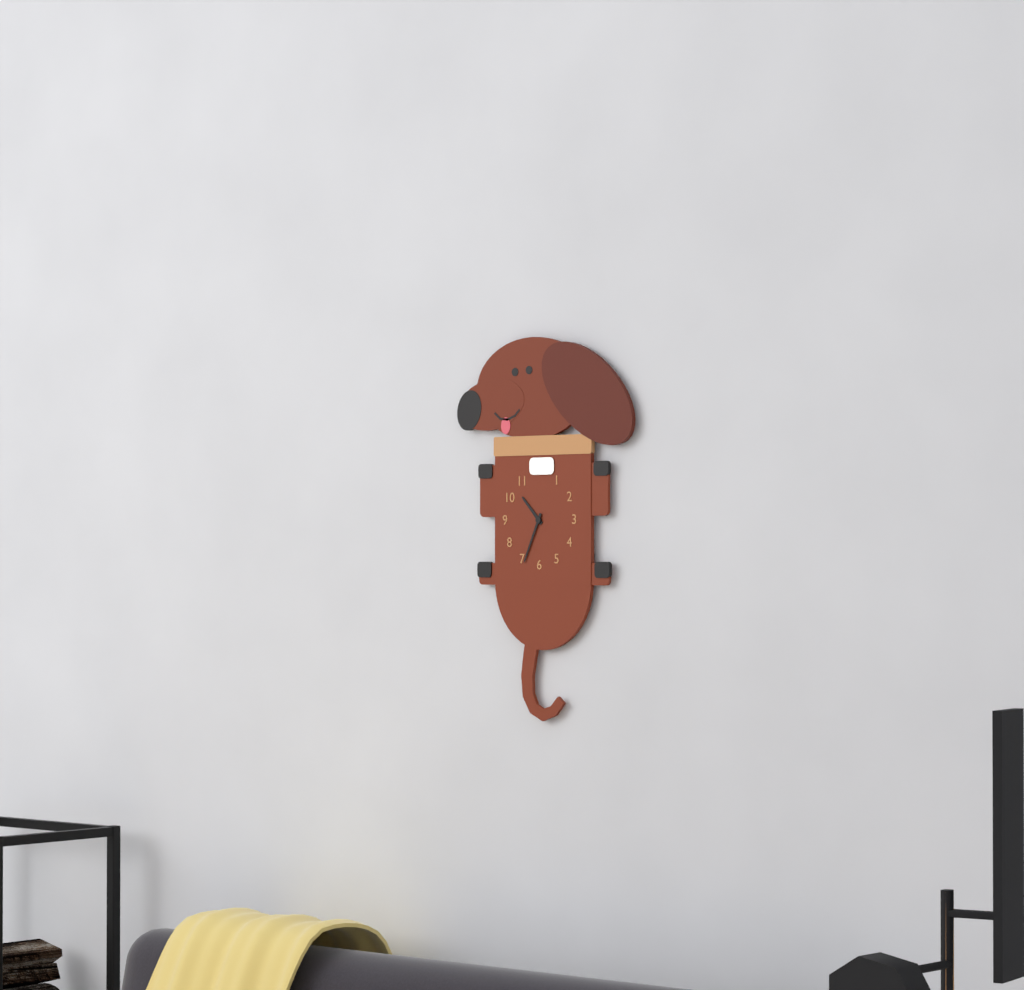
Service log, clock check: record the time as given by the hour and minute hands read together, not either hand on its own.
10:34
